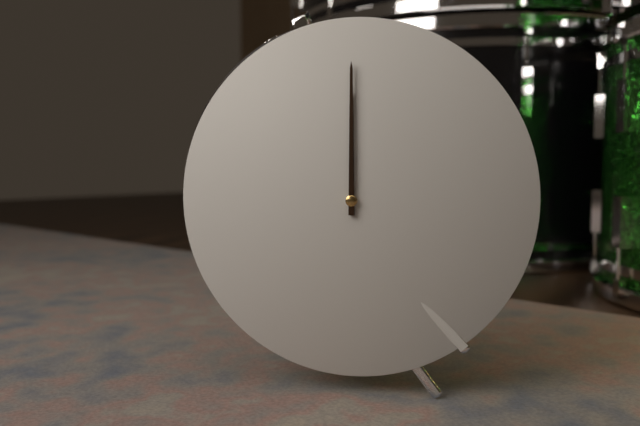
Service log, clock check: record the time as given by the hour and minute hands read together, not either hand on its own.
12:00
